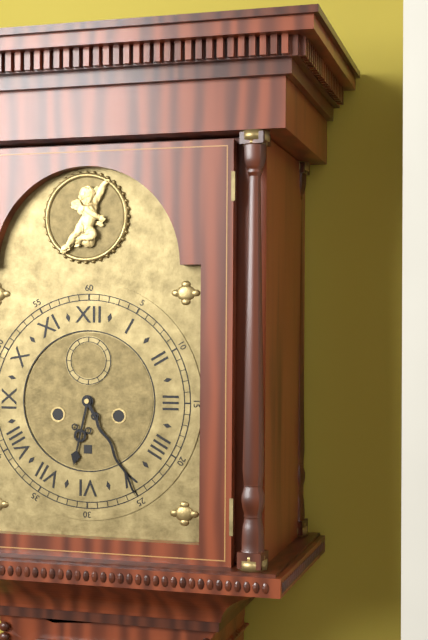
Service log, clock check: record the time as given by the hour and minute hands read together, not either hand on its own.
6:25
